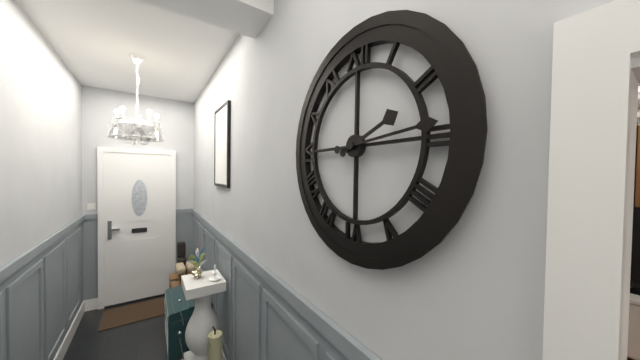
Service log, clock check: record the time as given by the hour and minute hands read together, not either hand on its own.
2:14
